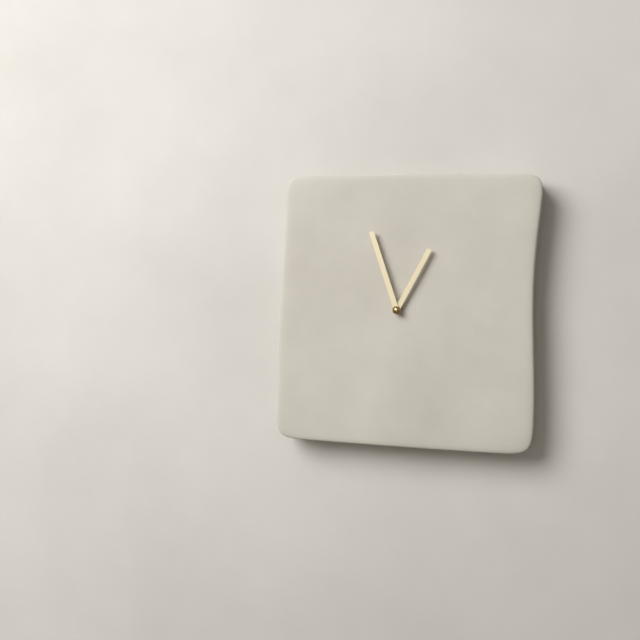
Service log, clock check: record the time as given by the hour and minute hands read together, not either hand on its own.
12:57
